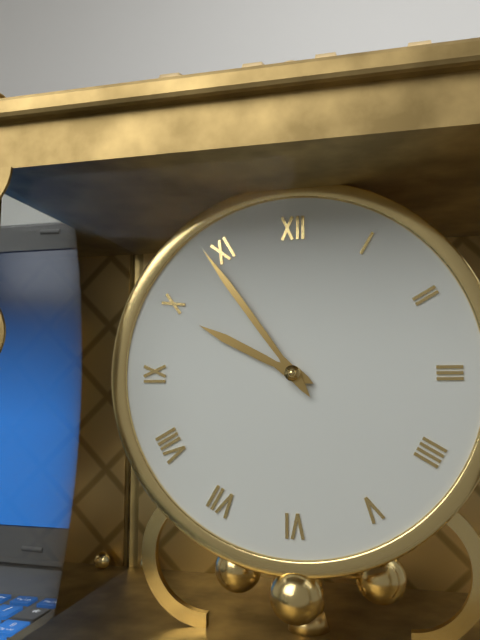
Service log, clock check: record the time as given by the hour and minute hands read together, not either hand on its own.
9:54
